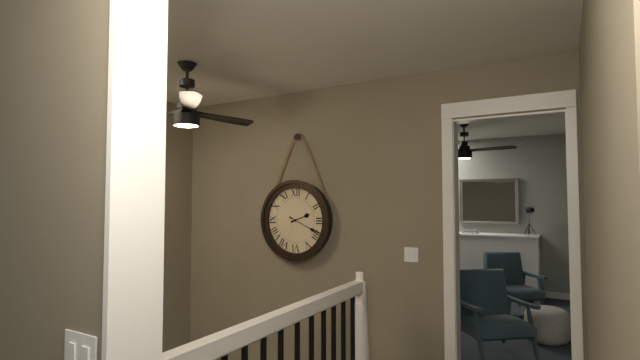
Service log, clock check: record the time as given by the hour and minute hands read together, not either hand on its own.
2:19
